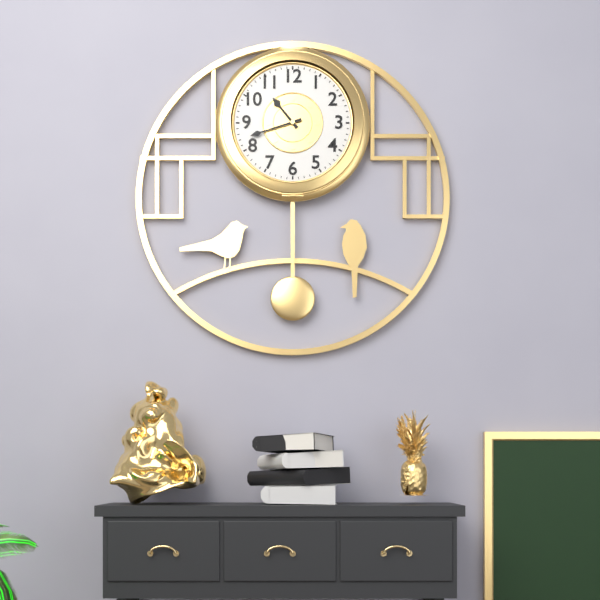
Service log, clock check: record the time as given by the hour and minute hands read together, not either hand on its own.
10:42
